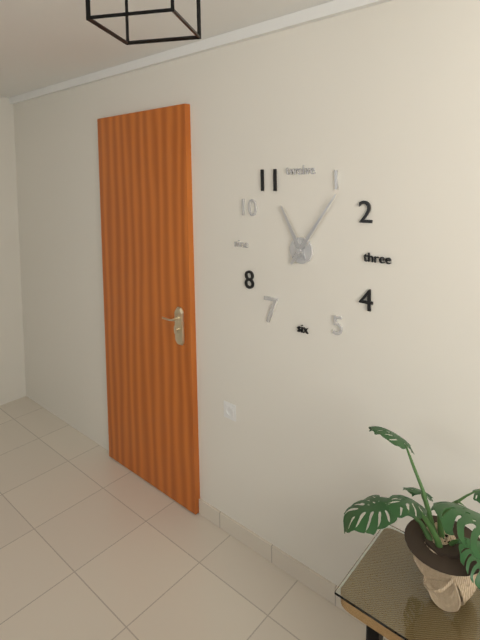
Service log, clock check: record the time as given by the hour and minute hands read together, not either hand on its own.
11:06
